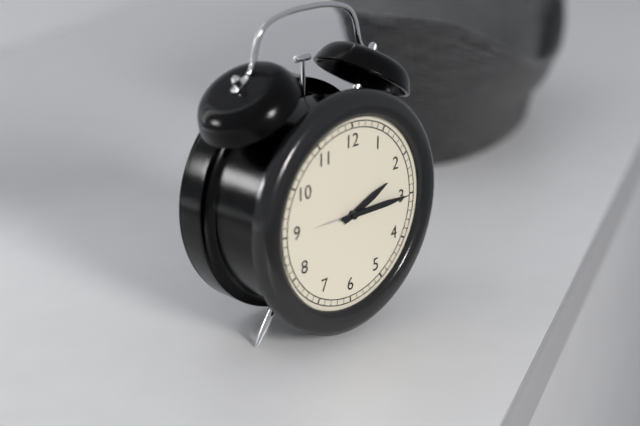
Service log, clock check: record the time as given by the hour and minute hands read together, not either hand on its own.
2:15
